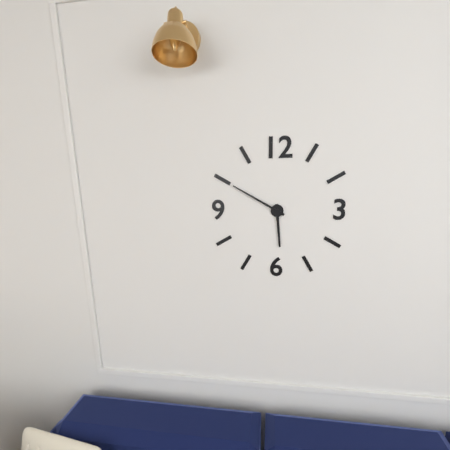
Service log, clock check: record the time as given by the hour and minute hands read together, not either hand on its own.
5:50
